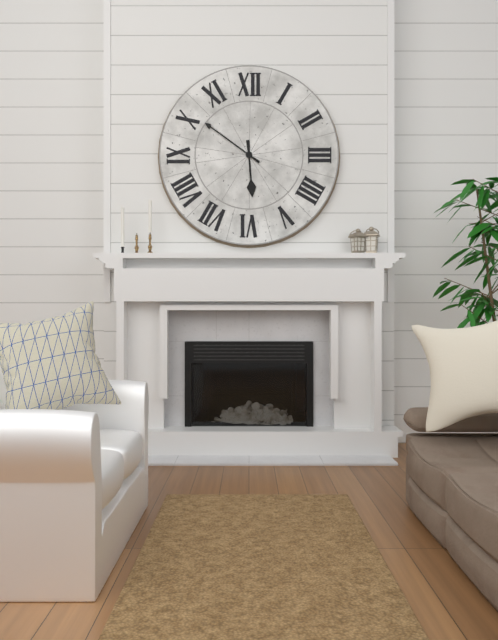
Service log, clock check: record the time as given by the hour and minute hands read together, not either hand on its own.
5:51
